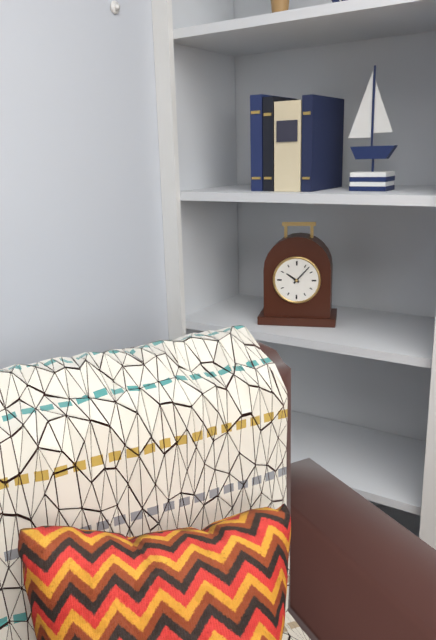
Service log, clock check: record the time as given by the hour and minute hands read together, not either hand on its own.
10:07
